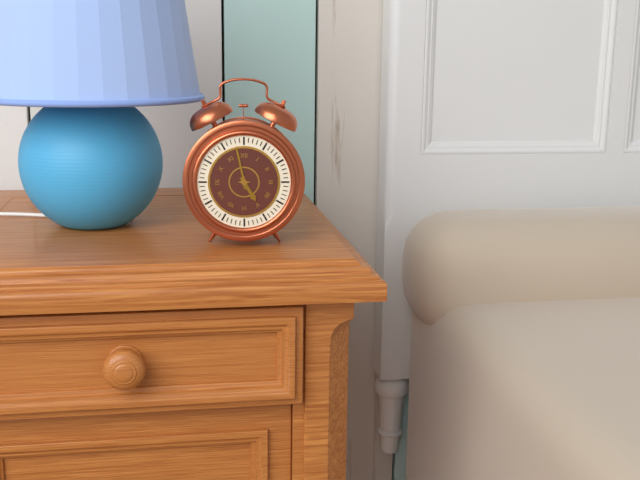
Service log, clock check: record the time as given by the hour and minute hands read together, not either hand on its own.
4:58
